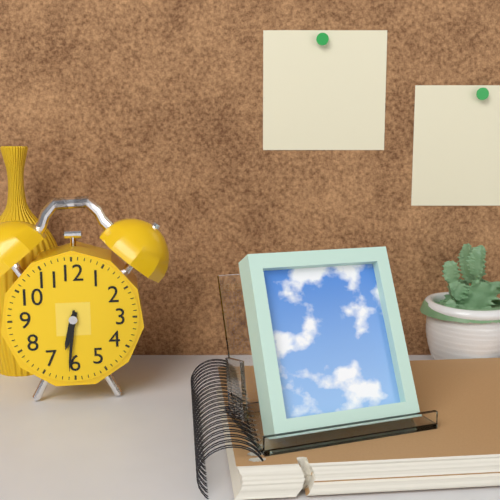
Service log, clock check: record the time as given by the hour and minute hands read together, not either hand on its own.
6:31
